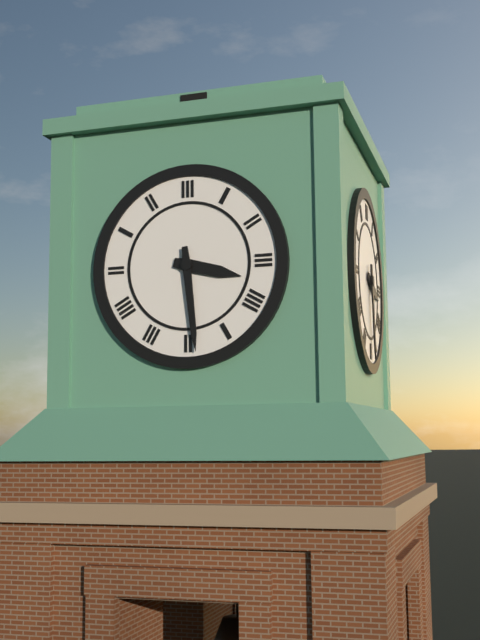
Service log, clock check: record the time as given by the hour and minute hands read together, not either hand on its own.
3:29
